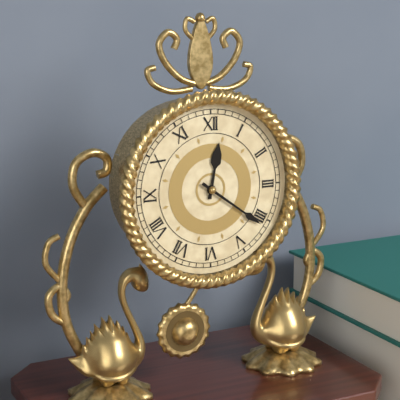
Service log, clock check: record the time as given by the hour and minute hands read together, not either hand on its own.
12:21
